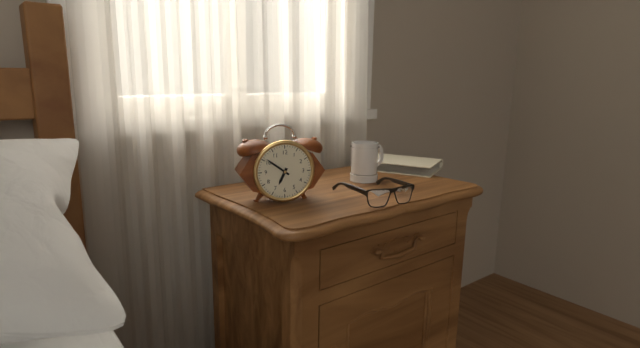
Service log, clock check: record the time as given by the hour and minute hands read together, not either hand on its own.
6:51
